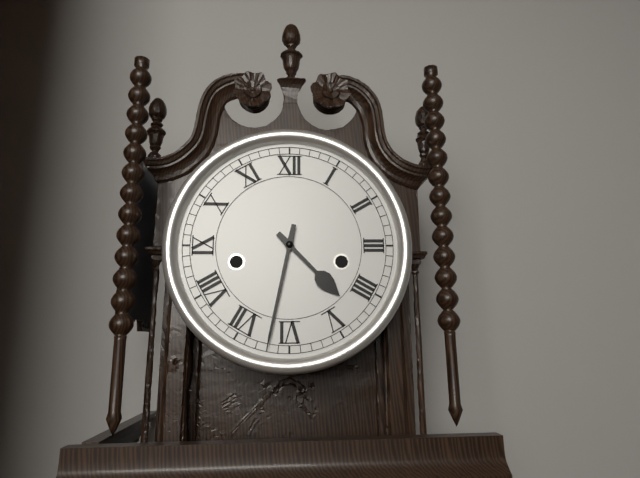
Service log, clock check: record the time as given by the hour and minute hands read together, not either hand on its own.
4:32
